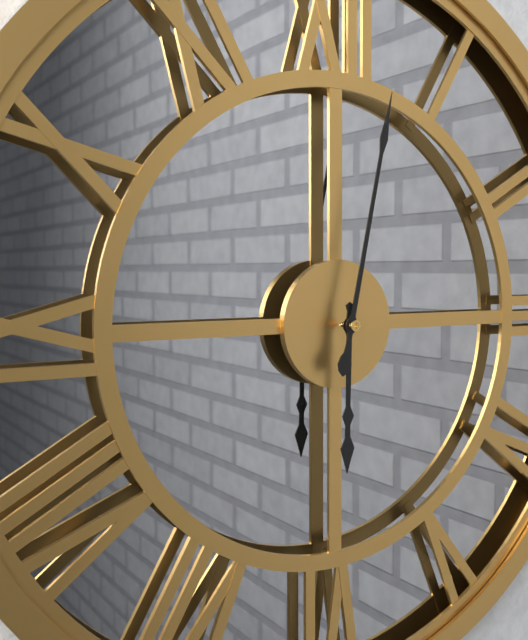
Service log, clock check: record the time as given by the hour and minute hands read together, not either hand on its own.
6:02
